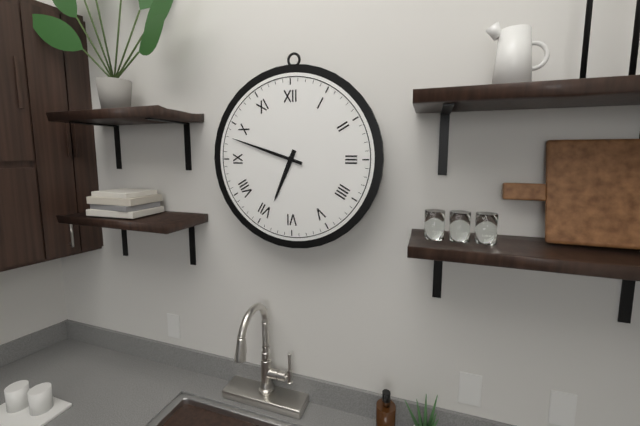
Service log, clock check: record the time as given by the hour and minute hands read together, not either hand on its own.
6:48
